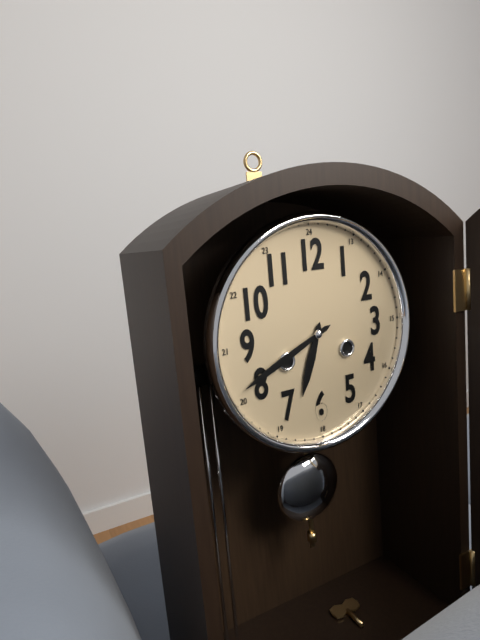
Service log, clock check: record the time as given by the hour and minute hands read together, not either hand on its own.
6:41
